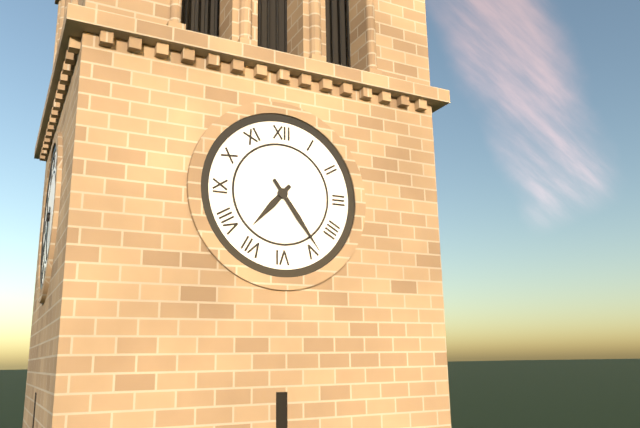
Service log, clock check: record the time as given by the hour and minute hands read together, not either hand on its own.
7:24
